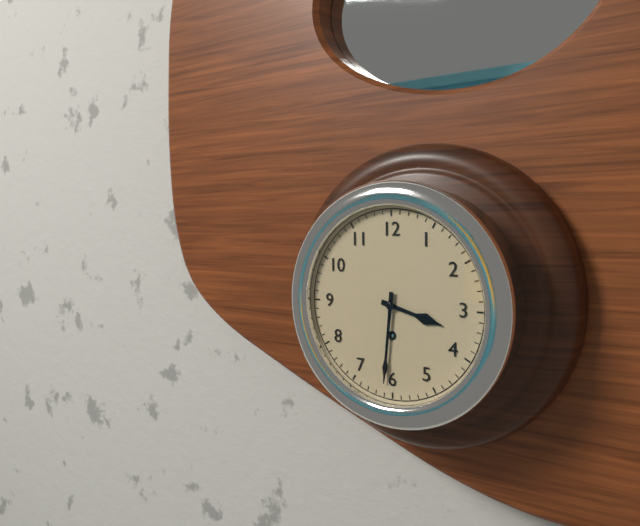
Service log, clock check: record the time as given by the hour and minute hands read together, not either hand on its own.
3:31
